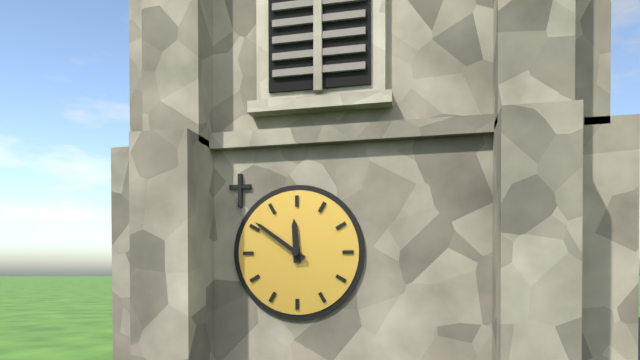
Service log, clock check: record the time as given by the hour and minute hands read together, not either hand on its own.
11:51
